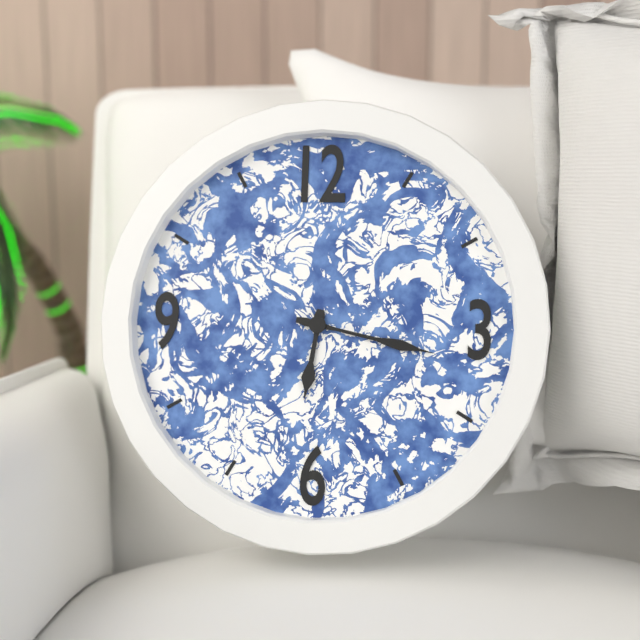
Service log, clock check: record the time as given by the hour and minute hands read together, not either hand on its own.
6:17
